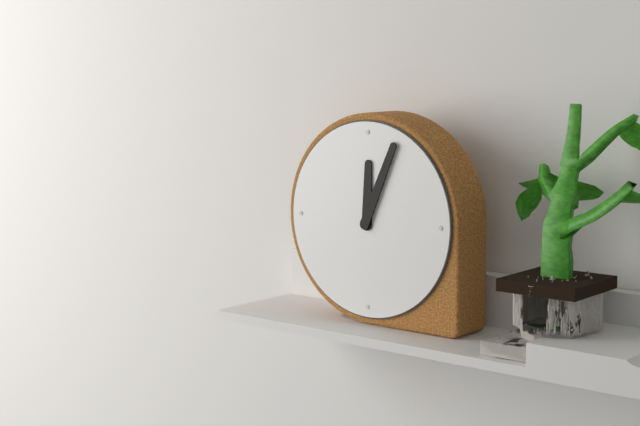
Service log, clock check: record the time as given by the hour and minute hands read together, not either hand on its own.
12:04
